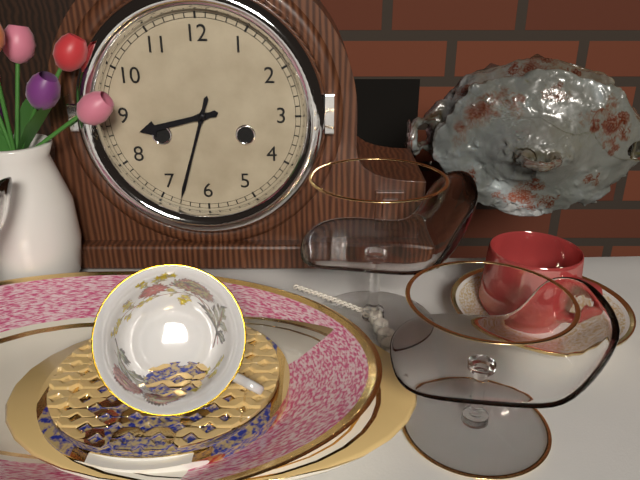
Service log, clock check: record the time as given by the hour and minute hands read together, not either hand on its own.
8:33
